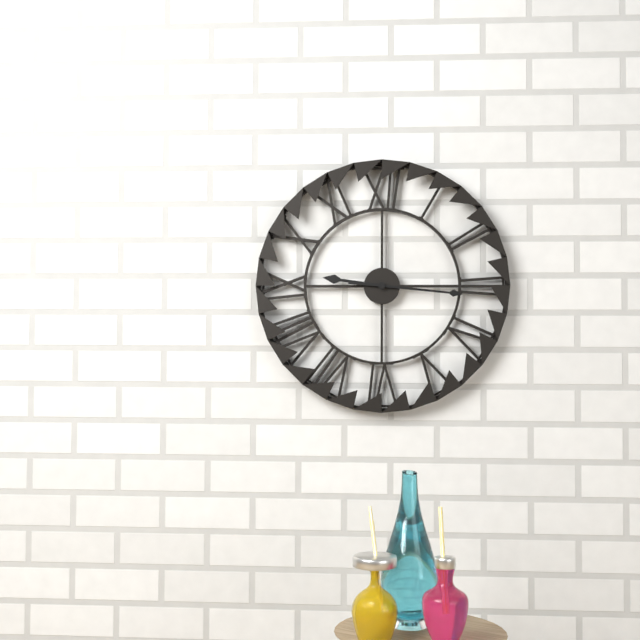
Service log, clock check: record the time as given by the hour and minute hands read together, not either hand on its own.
9:16
